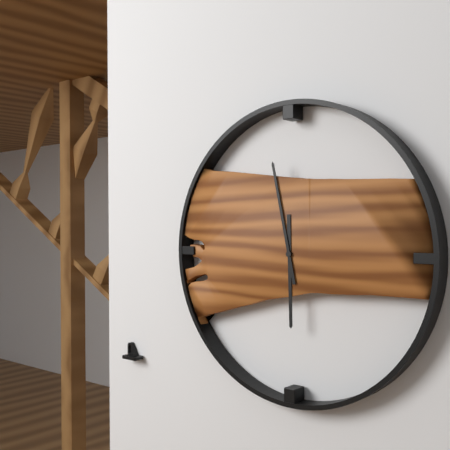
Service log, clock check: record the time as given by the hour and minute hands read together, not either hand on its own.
5:58
